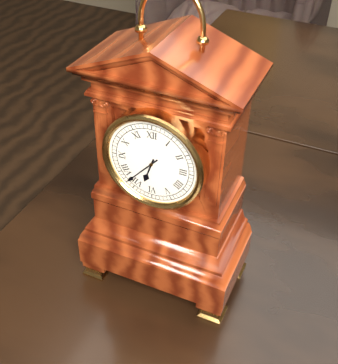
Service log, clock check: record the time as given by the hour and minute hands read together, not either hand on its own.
6:37
